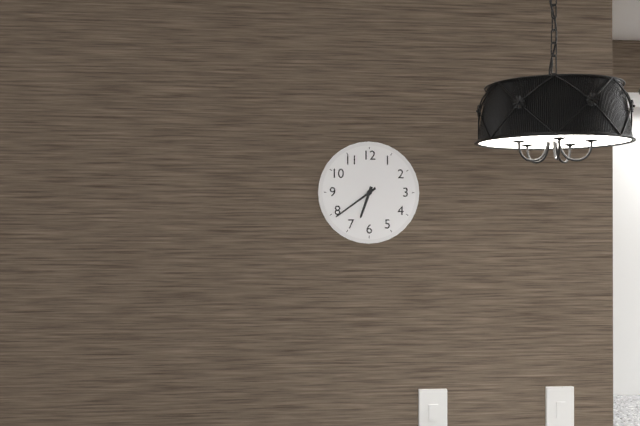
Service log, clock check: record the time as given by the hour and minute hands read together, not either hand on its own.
6:39
